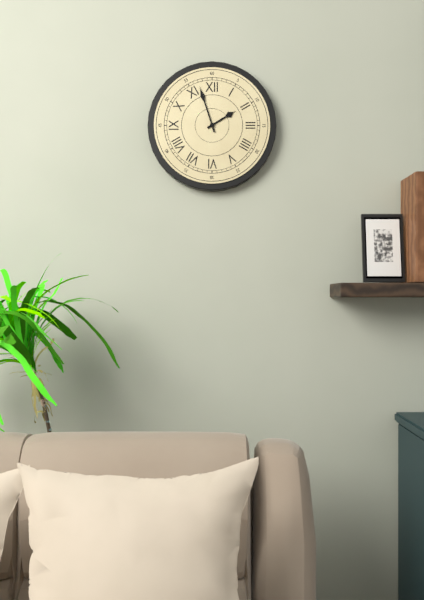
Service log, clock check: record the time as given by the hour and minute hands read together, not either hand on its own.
1:57
